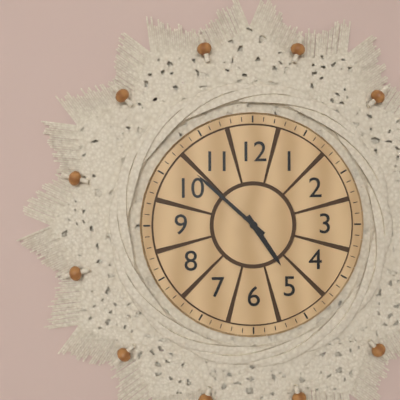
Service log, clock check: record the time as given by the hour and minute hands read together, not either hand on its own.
4:52
